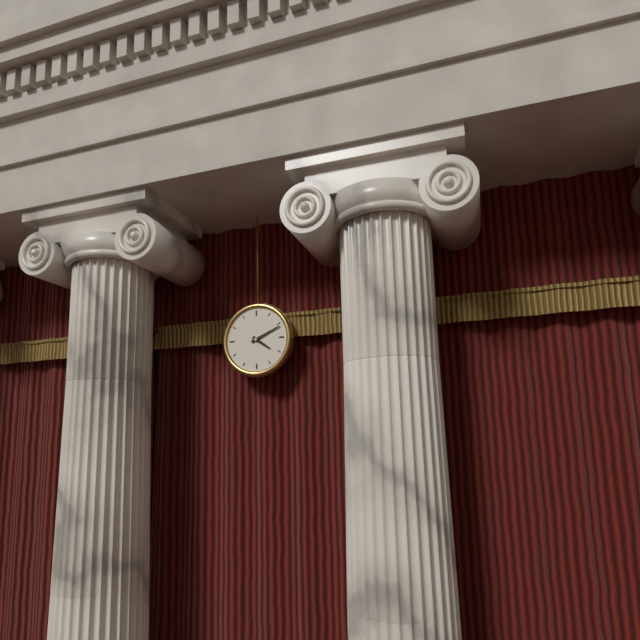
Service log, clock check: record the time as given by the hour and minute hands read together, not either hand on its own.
4:11
